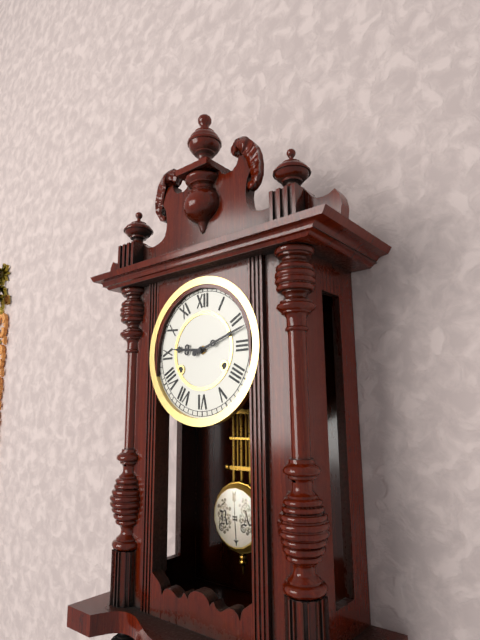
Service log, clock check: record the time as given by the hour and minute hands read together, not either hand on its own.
9:12
